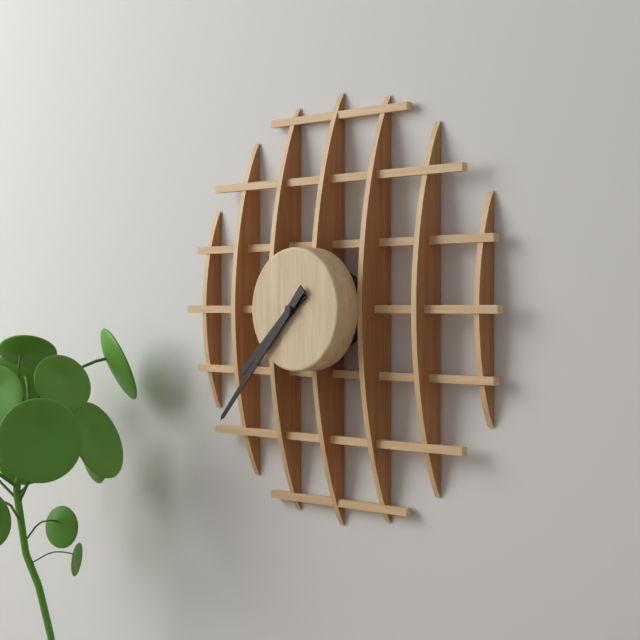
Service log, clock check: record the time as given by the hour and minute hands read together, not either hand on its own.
7:37
